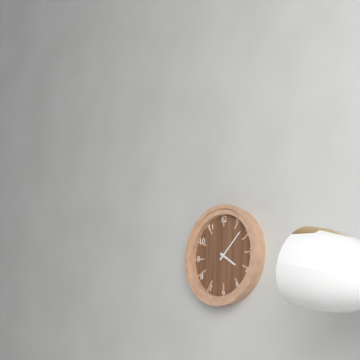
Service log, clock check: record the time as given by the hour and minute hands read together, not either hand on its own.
4:08
